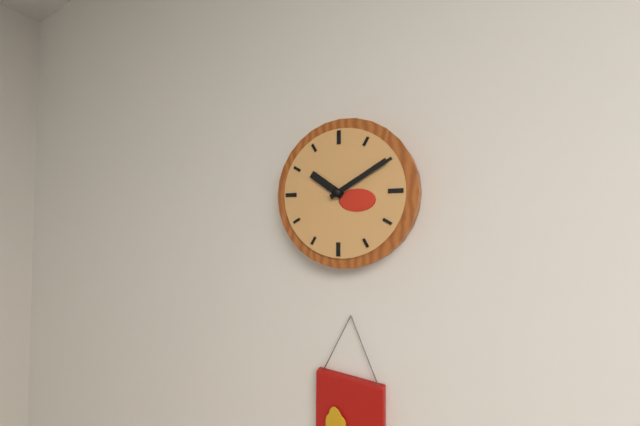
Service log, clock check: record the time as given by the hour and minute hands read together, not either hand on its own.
10:10
